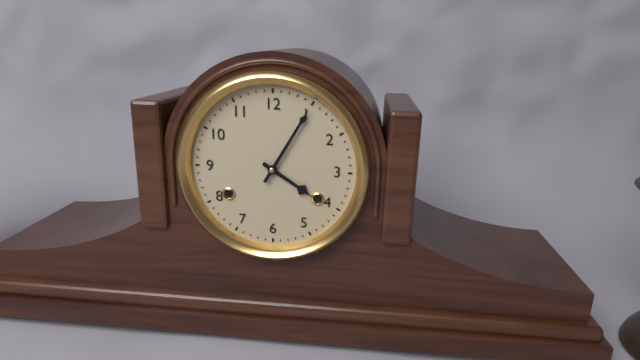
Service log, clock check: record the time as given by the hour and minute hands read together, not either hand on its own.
4:05
